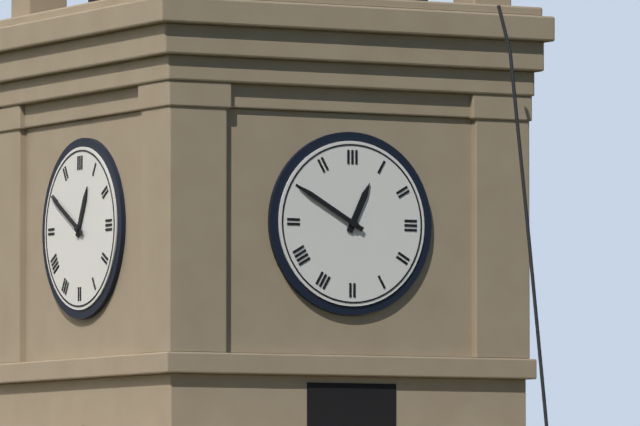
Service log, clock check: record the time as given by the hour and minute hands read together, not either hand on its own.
12:50
